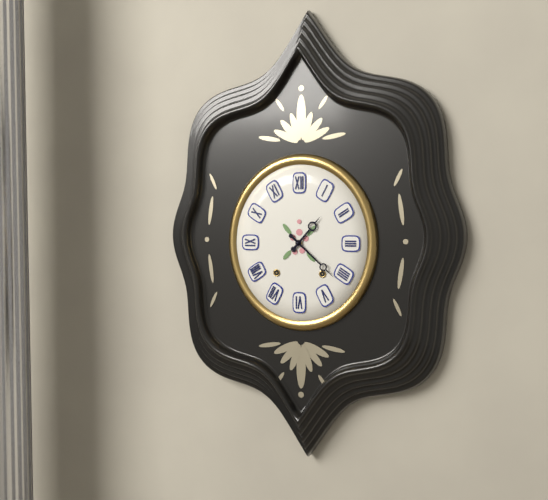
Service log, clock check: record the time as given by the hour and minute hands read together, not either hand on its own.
1:22
